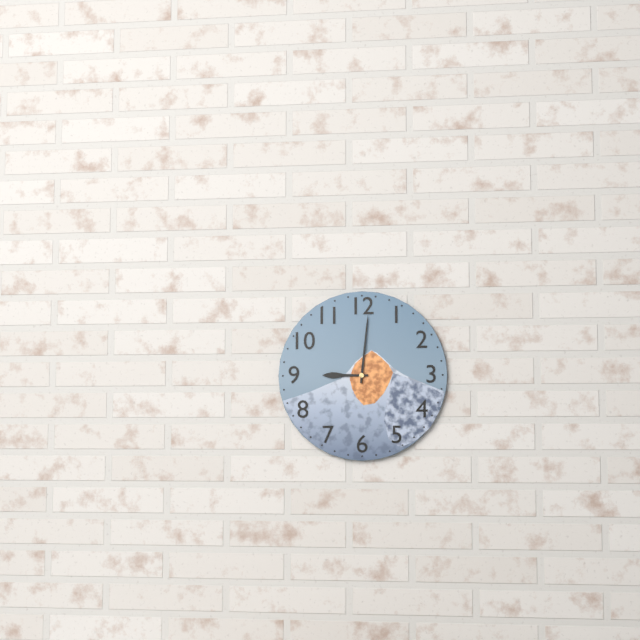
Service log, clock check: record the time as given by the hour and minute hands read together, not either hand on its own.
9:01
